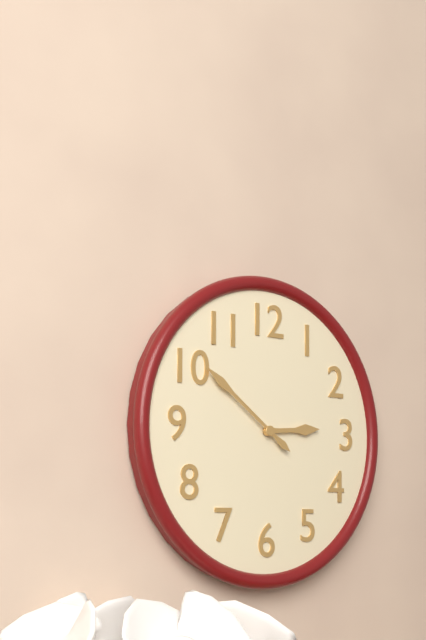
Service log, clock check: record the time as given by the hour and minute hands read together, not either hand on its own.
2:51
